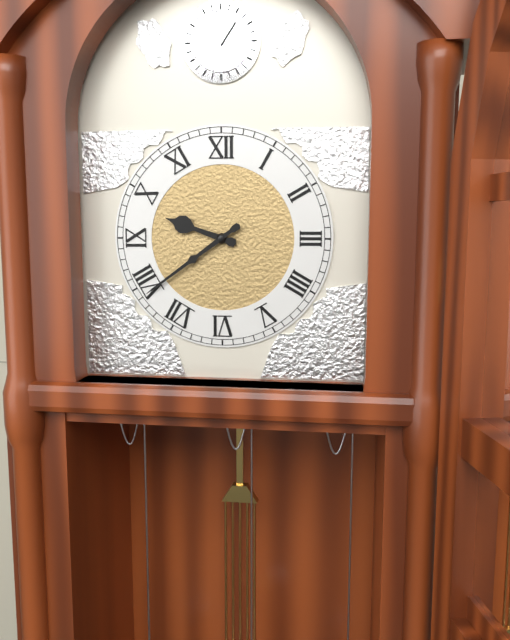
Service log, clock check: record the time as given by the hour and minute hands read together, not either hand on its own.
9:39
